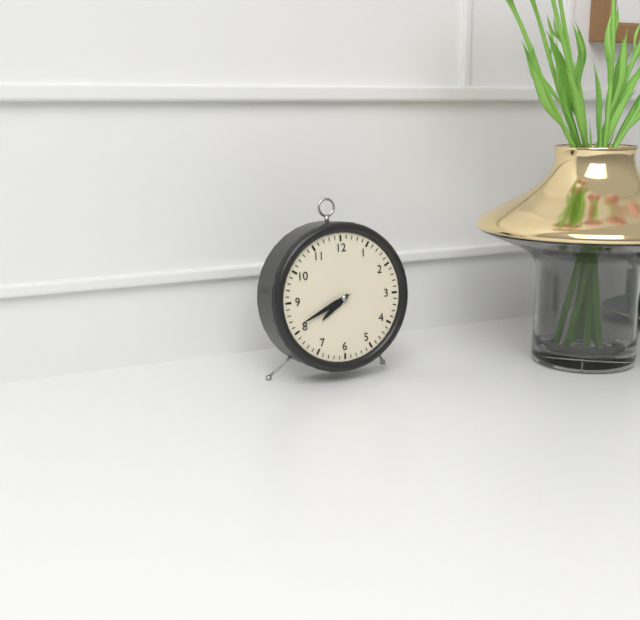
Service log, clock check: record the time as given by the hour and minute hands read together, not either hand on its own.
7:41
